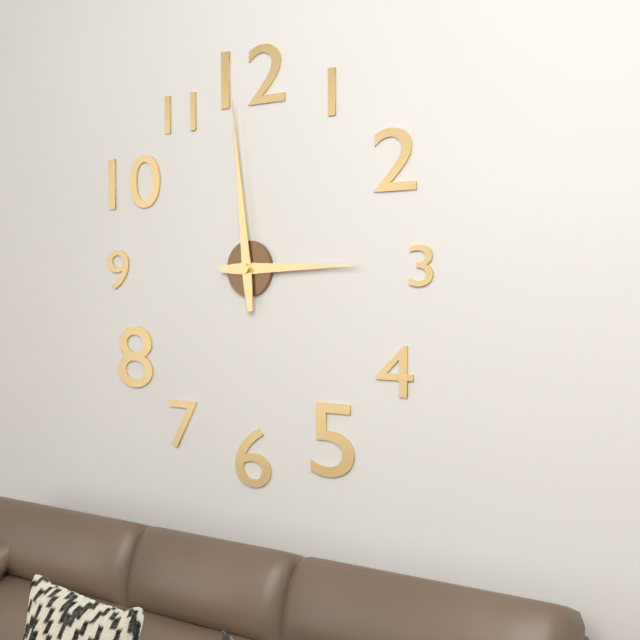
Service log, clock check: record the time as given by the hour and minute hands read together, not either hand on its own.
2:59
